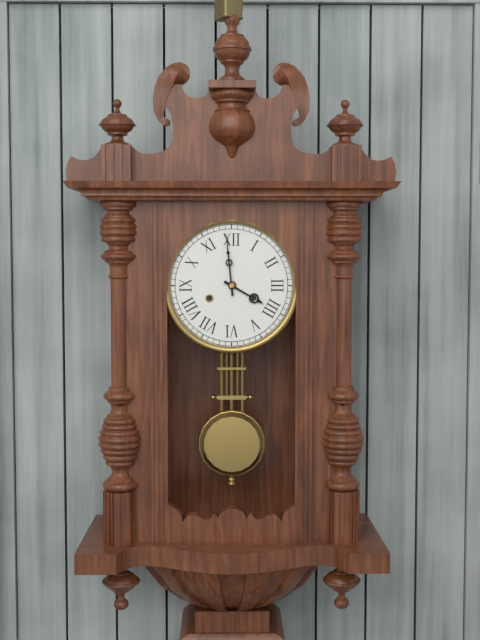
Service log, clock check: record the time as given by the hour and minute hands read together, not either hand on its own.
3:59
